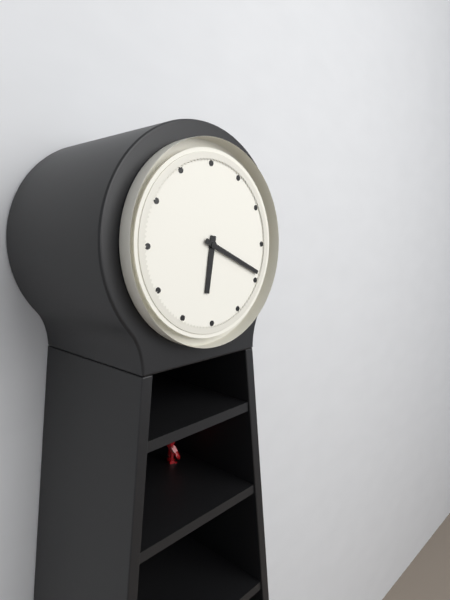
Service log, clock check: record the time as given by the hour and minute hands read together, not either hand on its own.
6:19
